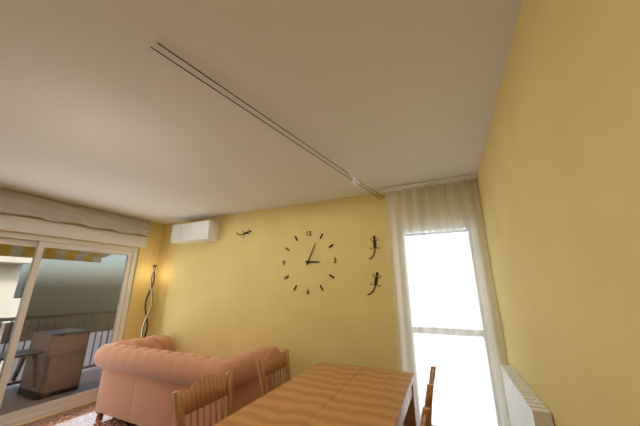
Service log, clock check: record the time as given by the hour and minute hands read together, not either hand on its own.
3:04
